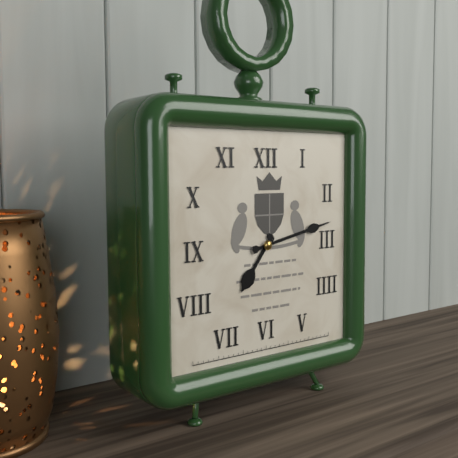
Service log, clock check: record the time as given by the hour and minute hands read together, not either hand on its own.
7:13
